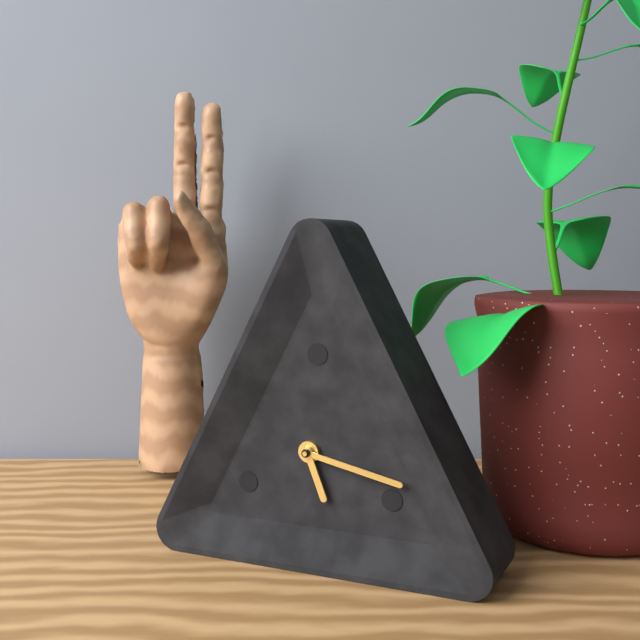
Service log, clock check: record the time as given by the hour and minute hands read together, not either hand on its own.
5:17
